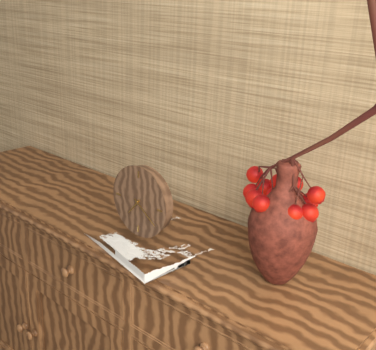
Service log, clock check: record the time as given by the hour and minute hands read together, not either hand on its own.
7:21
